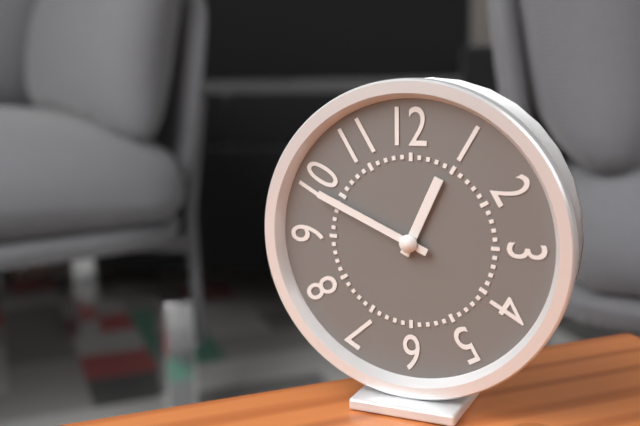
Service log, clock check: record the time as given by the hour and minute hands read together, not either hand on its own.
12:49
